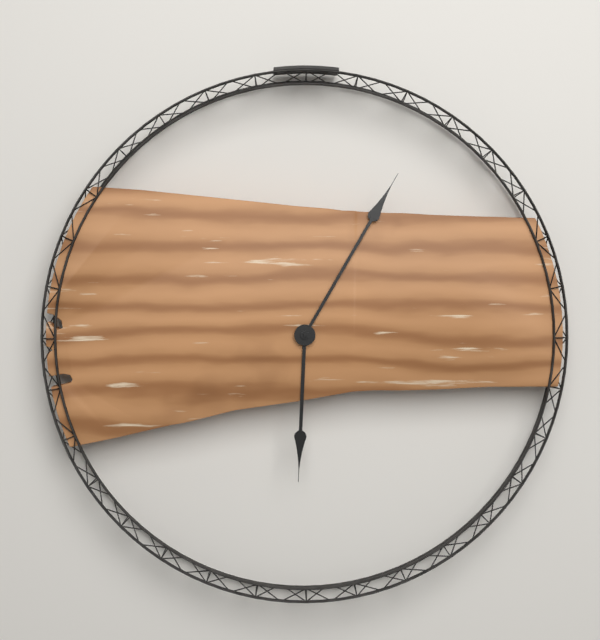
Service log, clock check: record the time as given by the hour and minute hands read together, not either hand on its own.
6:05
